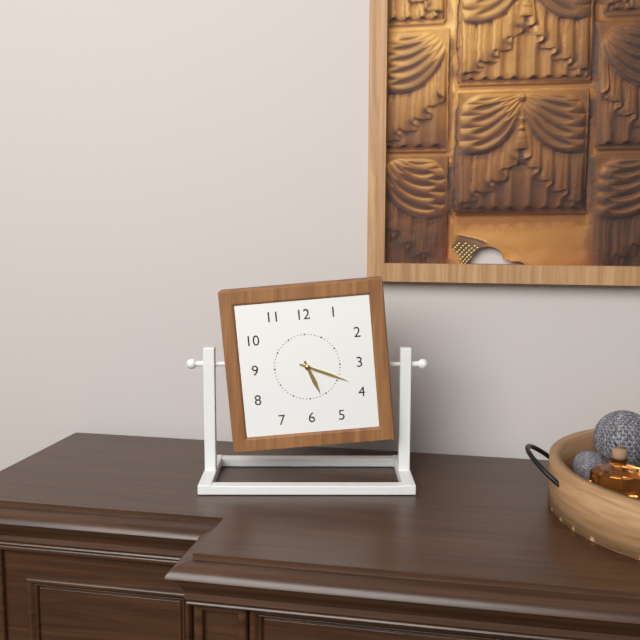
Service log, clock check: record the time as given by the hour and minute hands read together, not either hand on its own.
5:19
